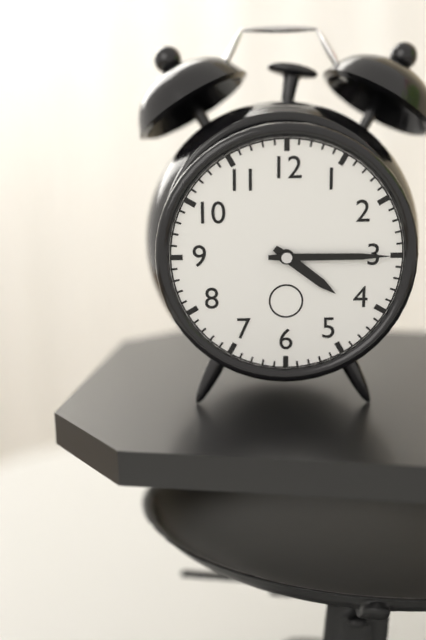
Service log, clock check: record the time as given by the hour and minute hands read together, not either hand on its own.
4:15
